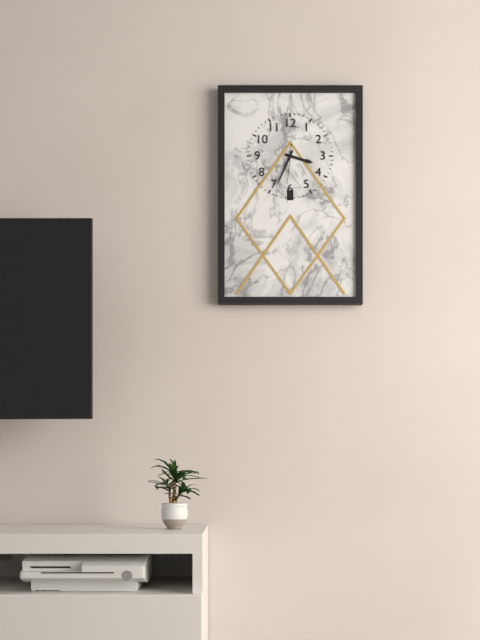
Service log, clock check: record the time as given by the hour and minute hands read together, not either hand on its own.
3:34
